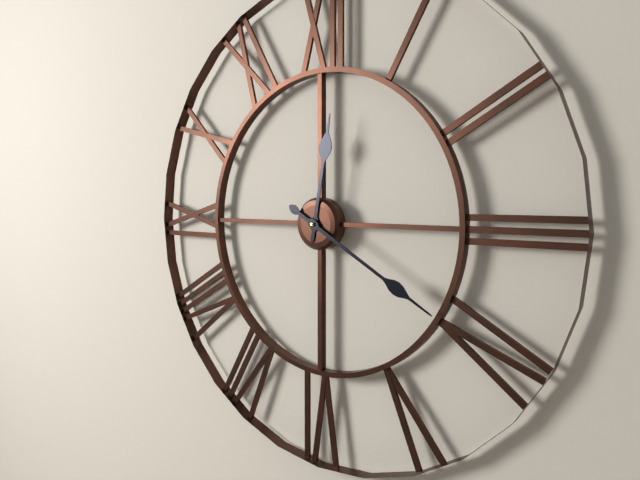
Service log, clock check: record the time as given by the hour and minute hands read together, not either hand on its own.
12:20
